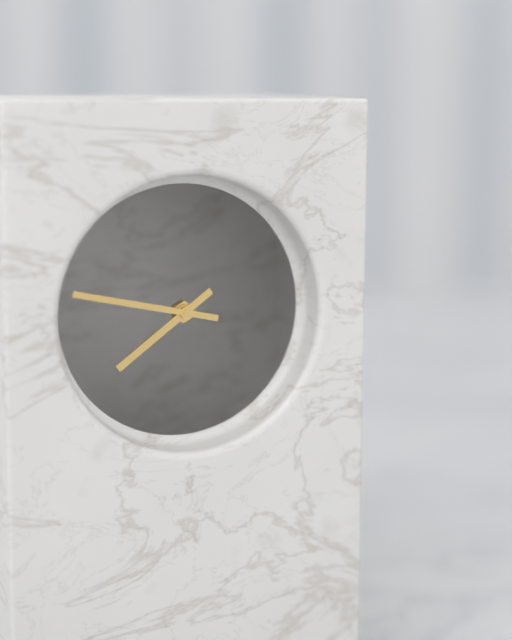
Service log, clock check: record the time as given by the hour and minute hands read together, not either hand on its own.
7:47
